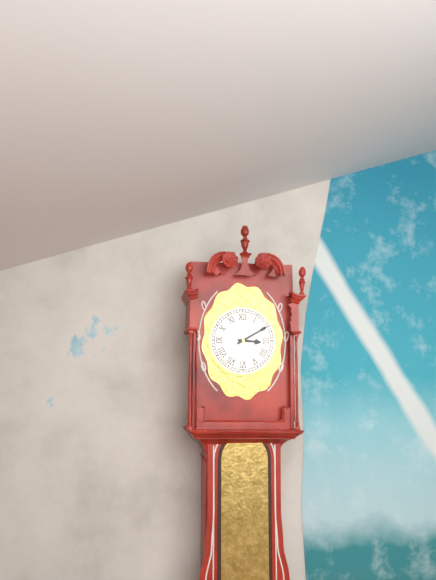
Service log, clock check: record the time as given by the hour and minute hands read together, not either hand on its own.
3:10
